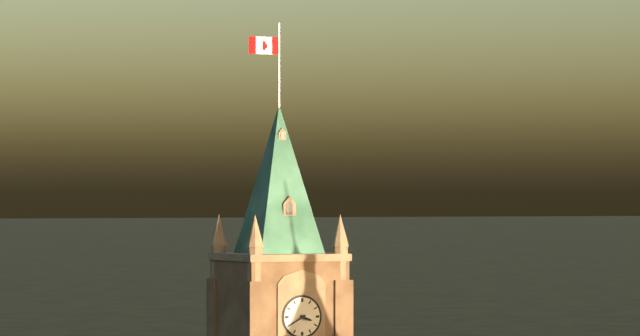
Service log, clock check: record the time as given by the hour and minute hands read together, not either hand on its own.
3:40
